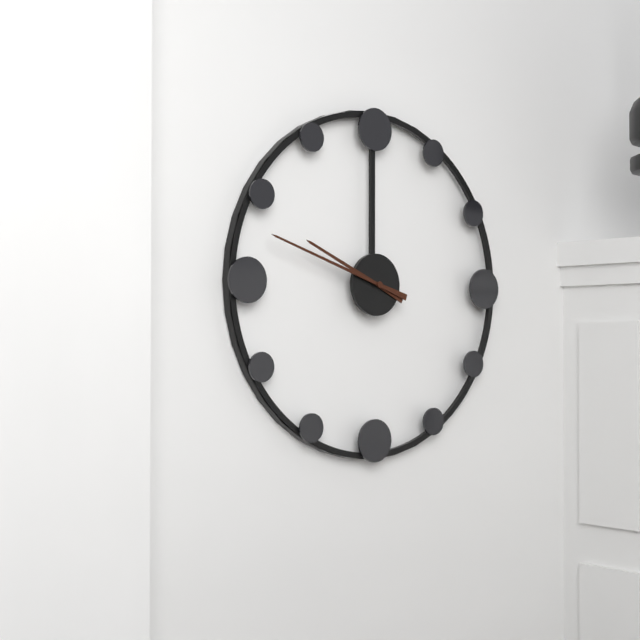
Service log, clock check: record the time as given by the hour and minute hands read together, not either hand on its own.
9:48
